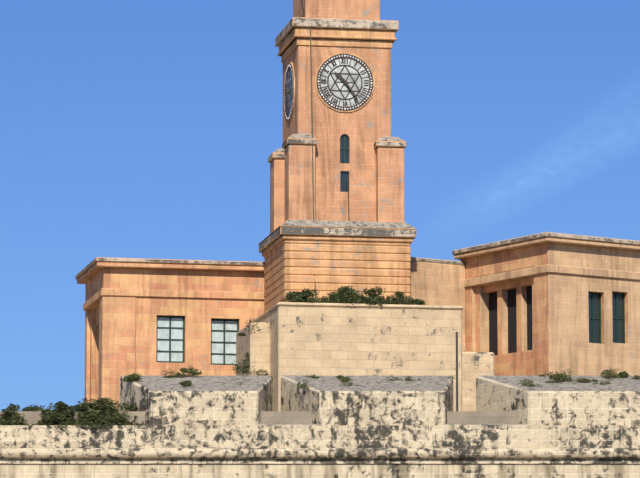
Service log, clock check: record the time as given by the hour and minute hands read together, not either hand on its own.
10:24
